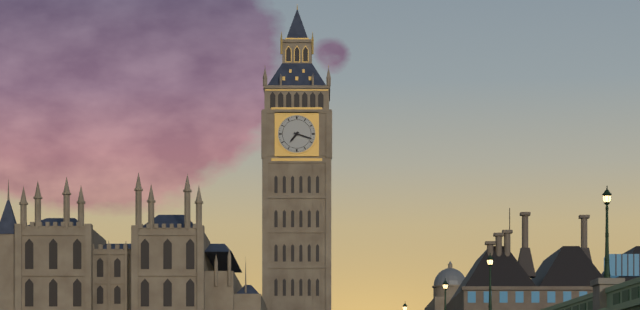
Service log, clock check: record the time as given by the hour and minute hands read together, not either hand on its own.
7:18
